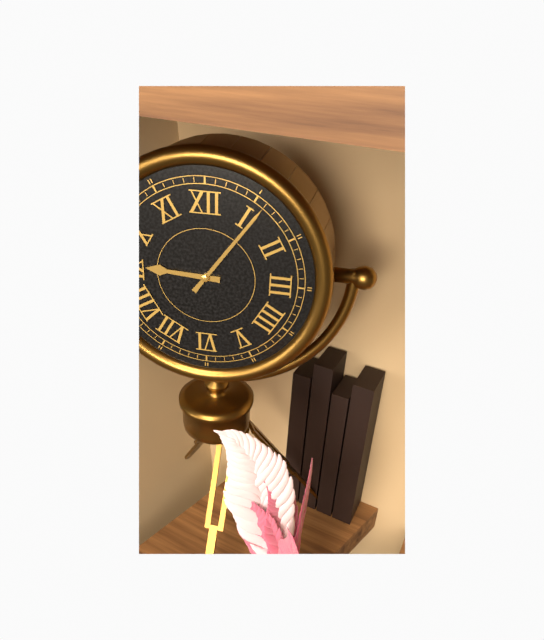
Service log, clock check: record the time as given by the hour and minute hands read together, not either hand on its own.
9:06
